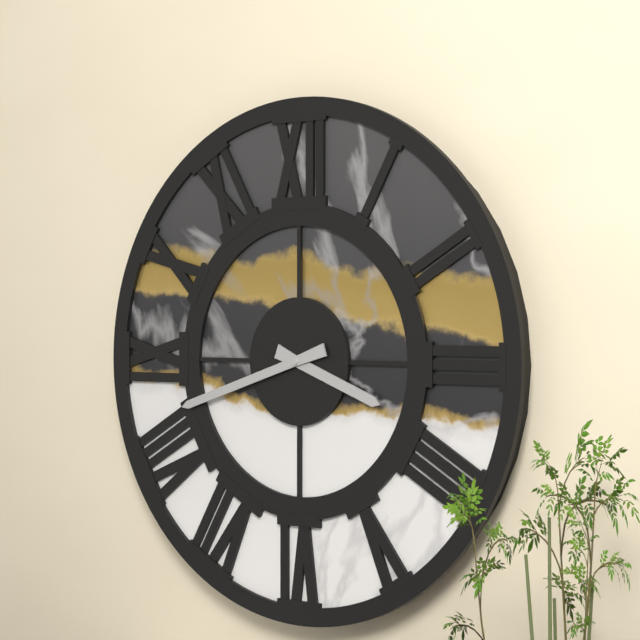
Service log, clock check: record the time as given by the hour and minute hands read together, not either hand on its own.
3:42
